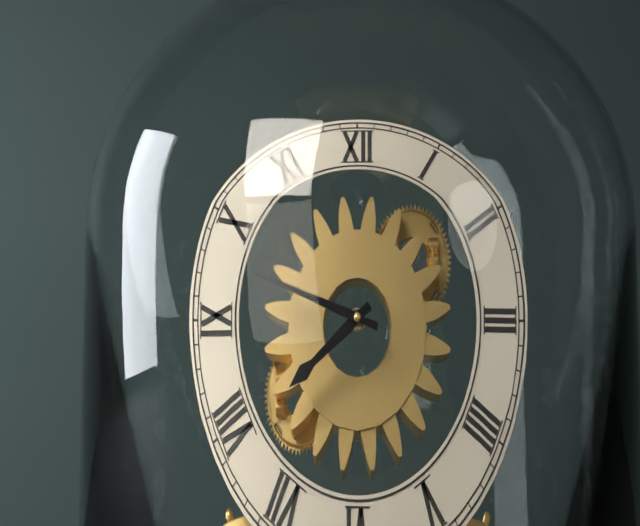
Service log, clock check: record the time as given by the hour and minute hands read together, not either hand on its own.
7:48
